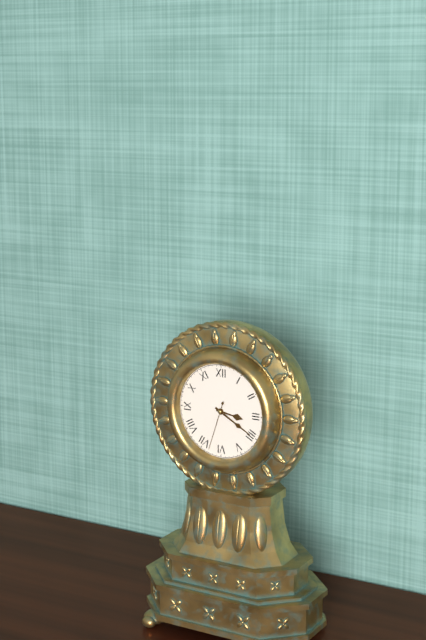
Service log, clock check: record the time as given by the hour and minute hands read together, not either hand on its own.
3:20
